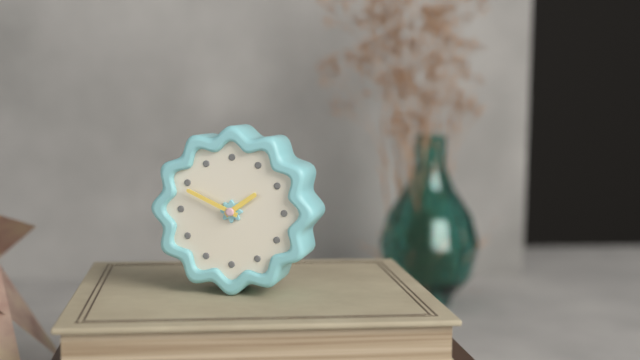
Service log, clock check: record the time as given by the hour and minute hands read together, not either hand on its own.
1:49
